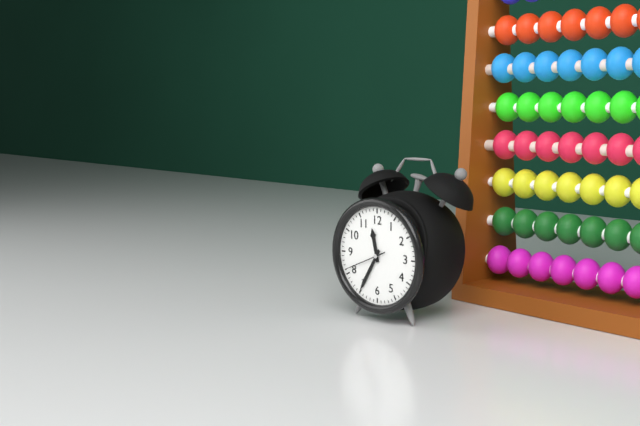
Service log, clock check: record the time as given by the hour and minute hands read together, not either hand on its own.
11:35
